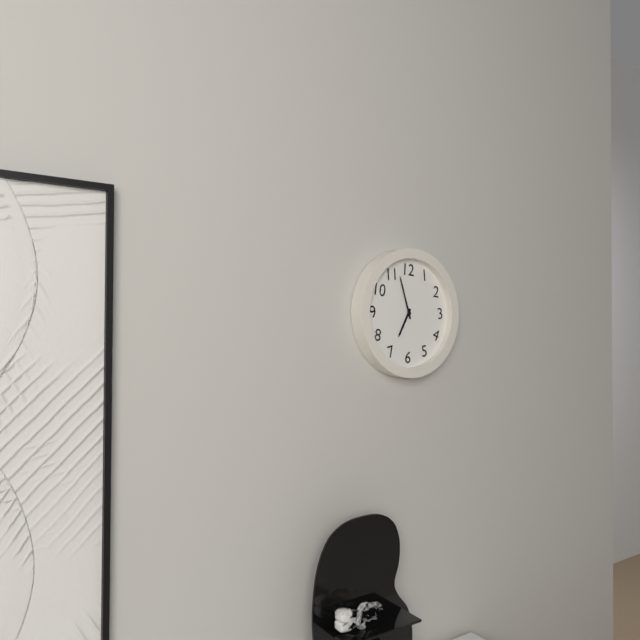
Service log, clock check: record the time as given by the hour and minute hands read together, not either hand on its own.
6:57
